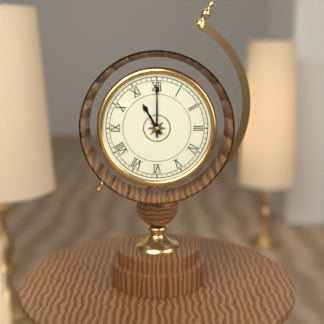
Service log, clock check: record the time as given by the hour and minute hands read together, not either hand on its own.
11:00
